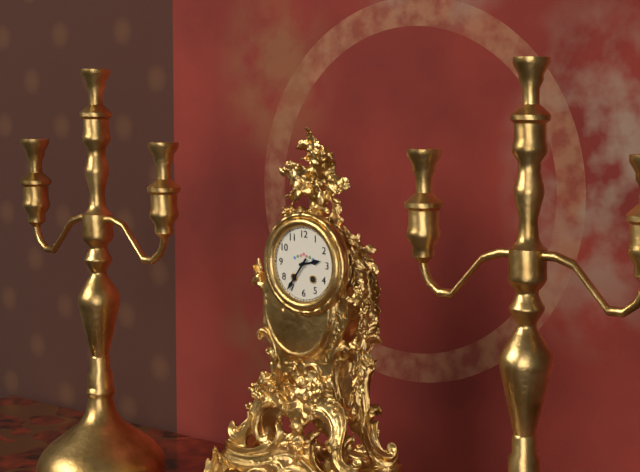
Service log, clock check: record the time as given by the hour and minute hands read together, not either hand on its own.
2:36
